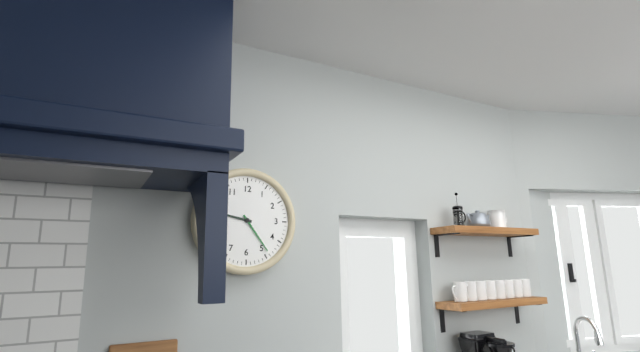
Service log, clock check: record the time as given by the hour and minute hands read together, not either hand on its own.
9:24
